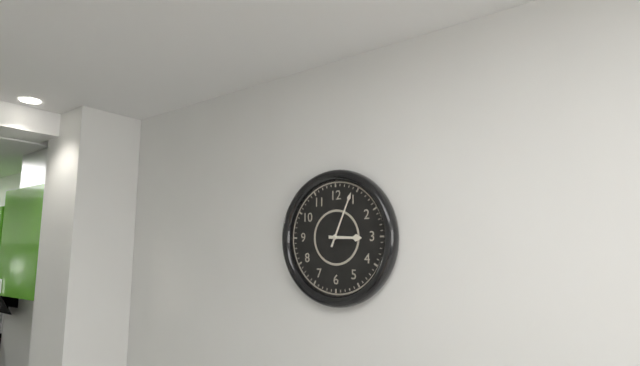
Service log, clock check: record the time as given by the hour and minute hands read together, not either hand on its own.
3:04
